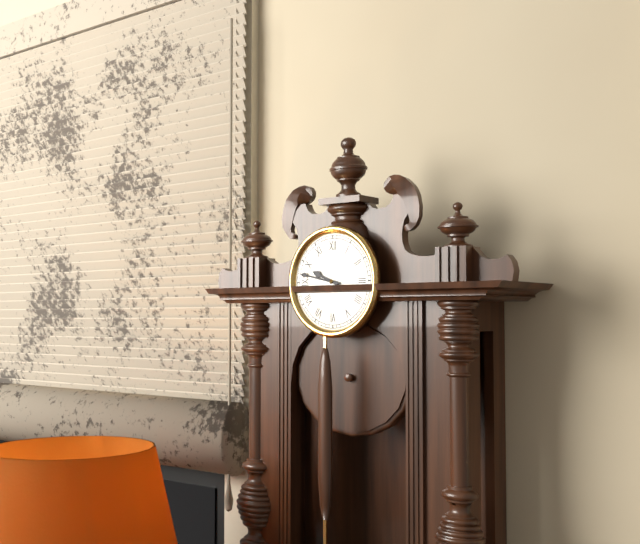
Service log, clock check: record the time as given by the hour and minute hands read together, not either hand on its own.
9:47
